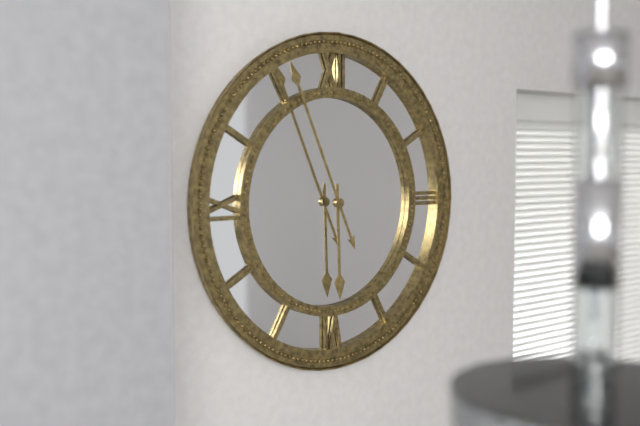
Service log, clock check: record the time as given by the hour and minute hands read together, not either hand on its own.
5:56
